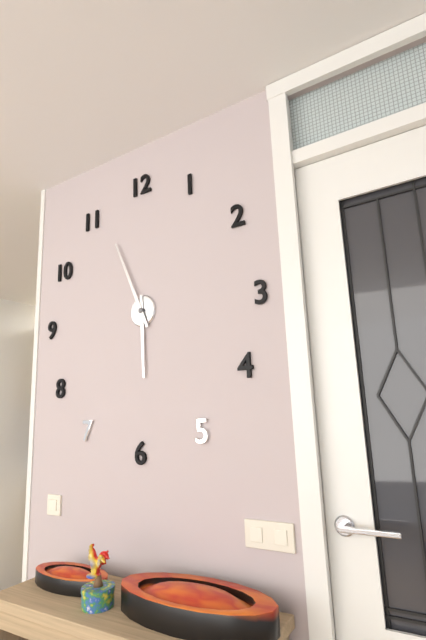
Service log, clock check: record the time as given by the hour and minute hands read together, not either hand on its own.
5:56
